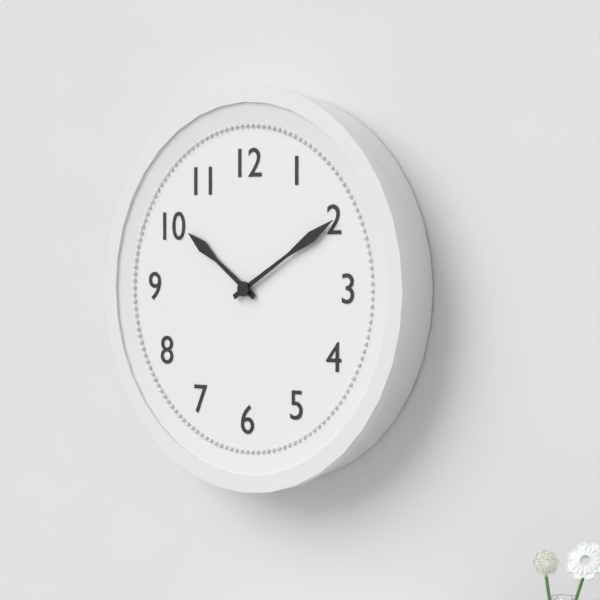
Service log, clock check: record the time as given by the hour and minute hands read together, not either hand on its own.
10:10
